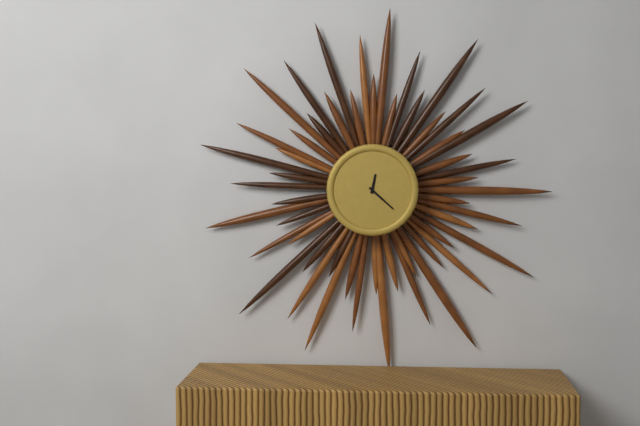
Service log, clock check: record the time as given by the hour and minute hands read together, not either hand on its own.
12:22
